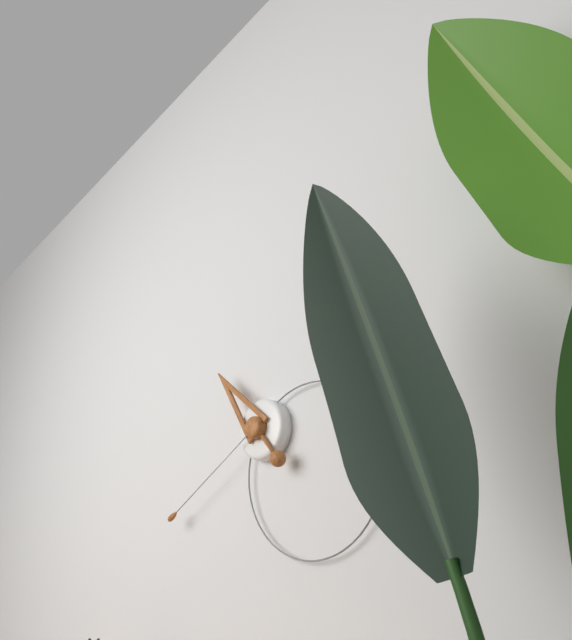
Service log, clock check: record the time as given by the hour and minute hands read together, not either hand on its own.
10:40
